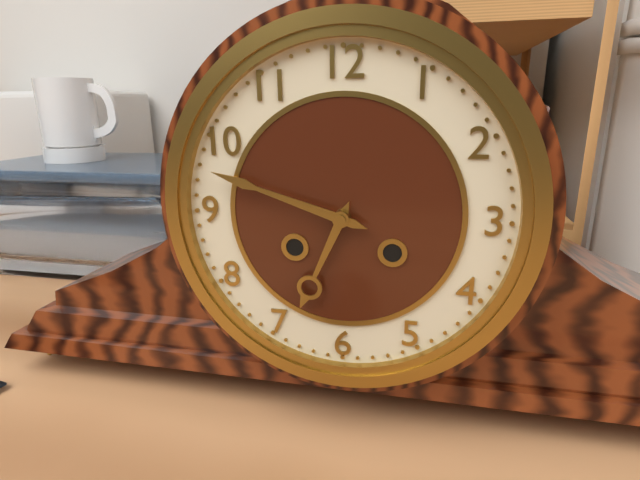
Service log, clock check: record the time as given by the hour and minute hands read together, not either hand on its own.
6:48
